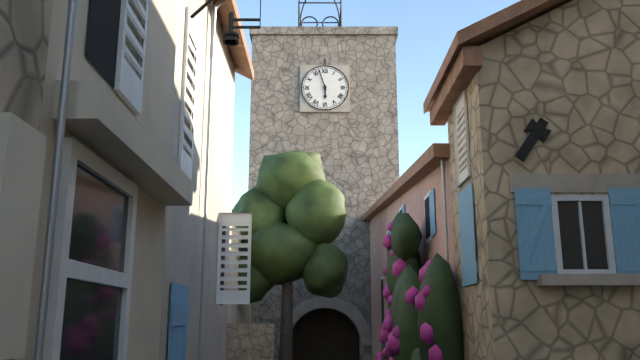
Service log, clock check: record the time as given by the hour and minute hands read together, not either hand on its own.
5:57
